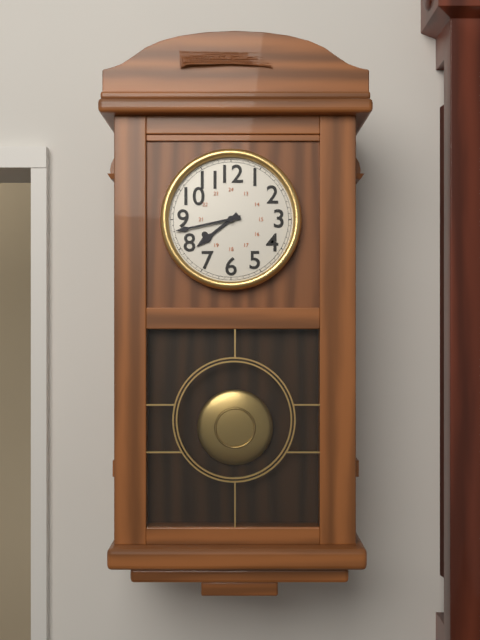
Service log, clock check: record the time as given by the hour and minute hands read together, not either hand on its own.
7:43
